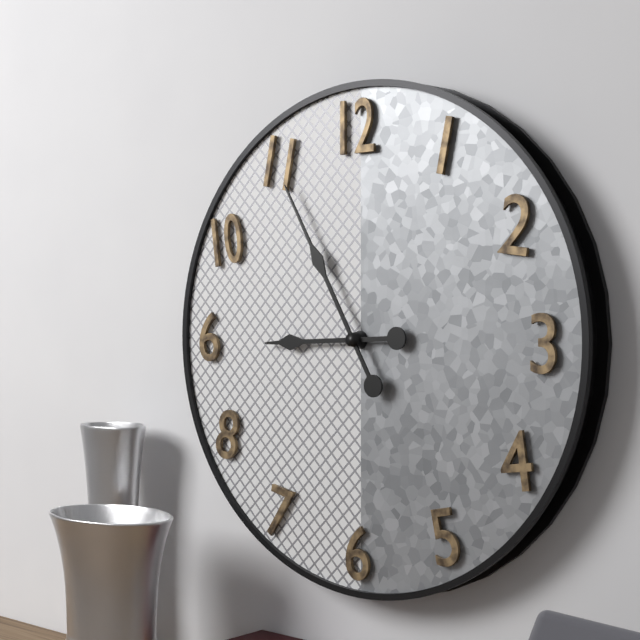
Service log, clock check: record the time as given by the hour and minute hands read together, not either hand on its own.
8:55
